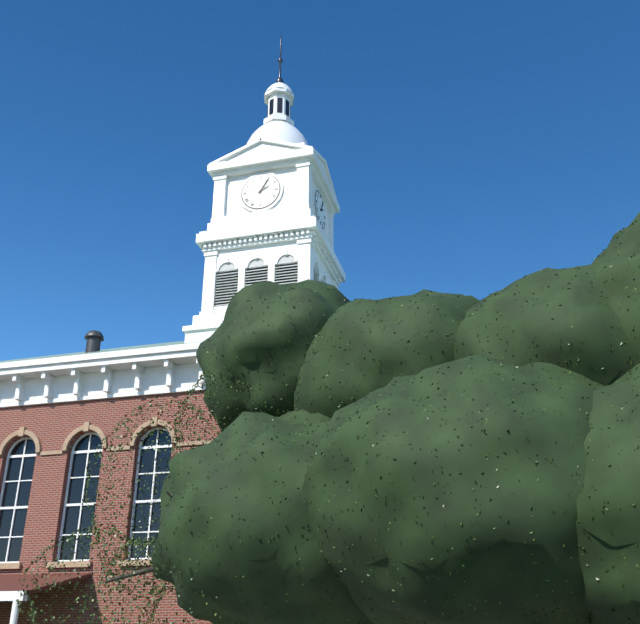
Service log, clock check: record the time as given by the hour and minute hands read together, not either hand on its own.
2:05
